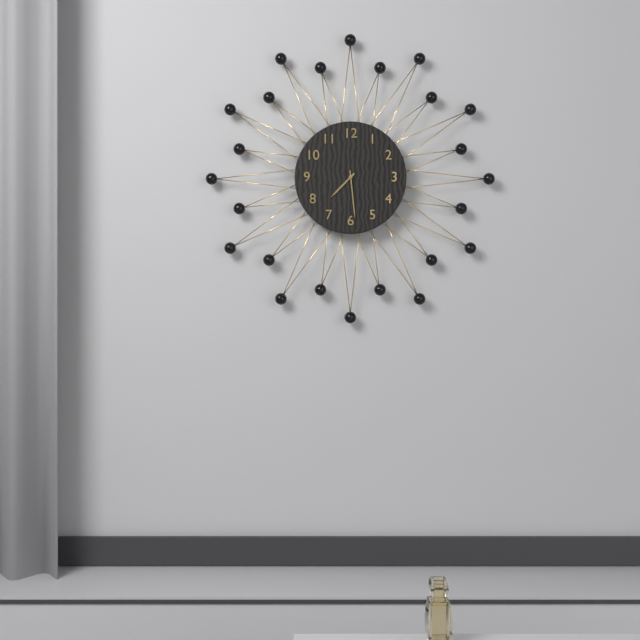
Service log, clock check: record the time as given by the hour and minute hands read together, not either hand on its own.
7:29
